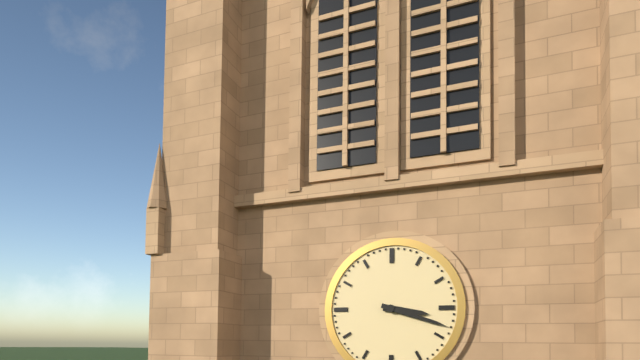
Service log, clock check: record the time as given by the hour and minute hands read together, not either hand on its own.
3:18
